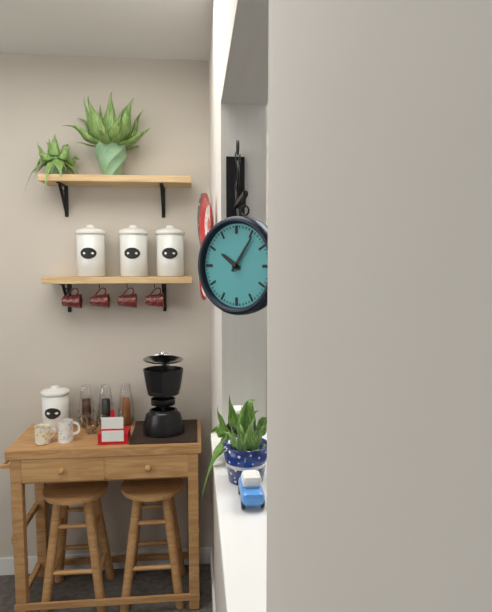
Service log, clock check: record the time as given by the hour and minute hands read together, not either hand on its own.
10:06
